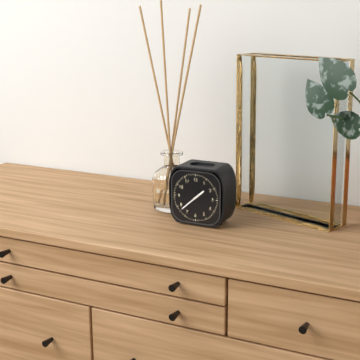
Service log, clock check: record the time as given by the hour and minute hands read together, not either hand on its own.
1:38
